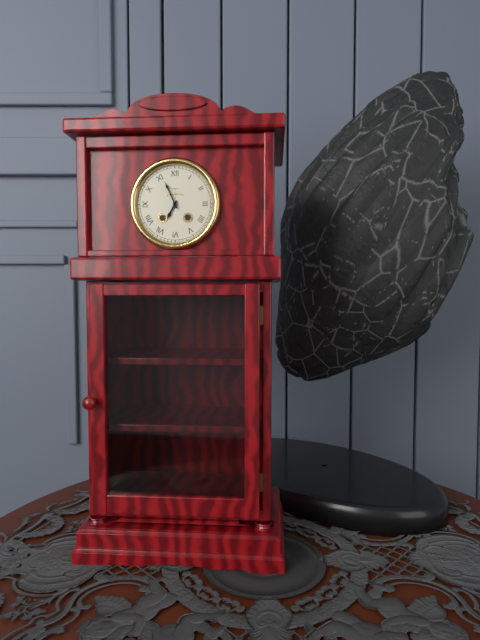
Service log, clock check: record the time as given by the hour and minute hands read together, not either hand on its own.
6:56
